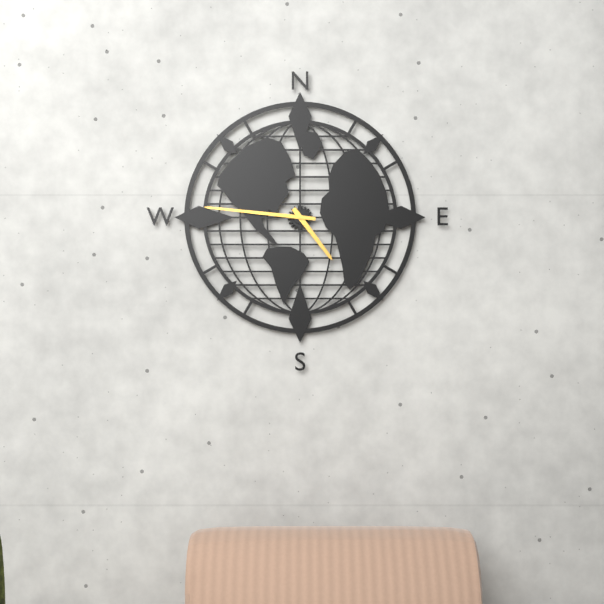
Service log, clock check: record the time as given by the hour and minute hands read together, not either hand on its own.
4:46
